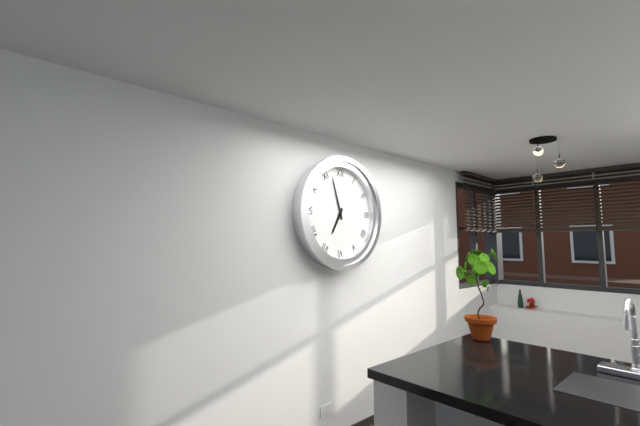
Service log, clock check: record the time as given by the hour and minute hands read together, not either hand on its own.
6:57
